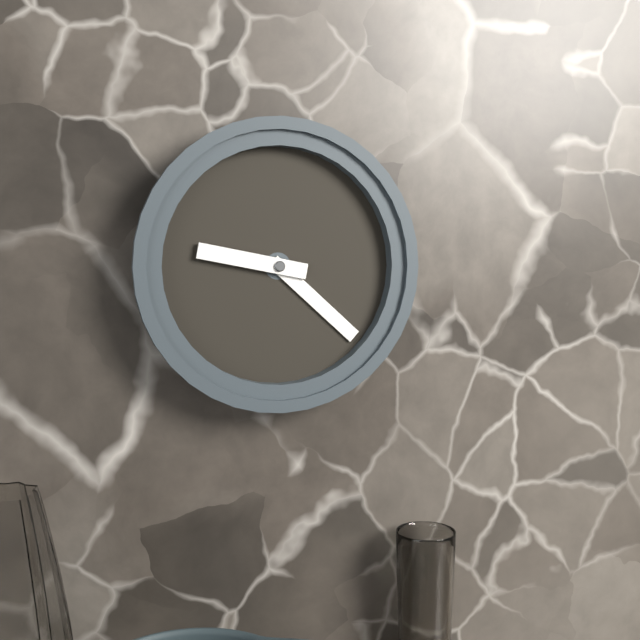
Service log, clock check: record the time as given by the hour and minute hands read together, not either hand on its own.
9:22
